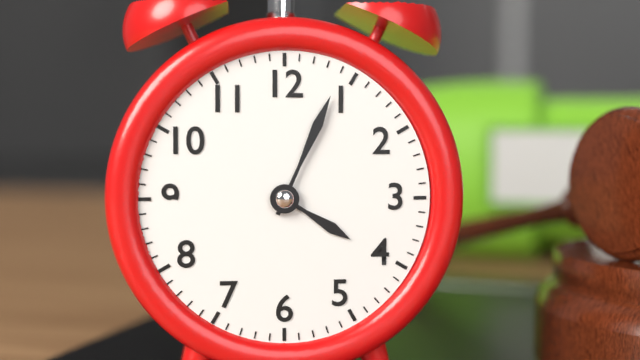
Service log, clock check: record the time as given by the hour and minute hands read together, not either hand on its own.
4:04
